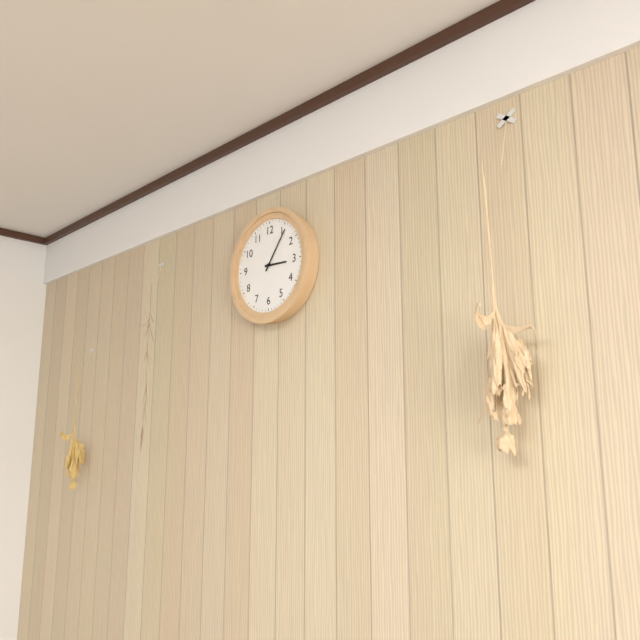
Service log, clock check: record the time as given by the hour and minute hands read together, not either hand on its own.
3:06
